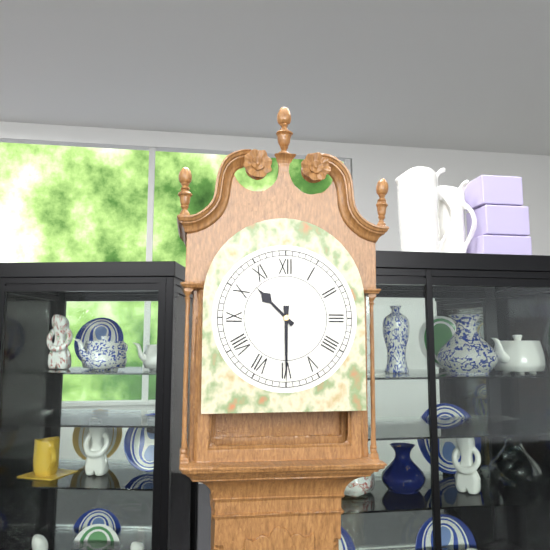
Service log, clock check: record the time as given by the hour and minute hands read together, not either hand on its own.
10:30
